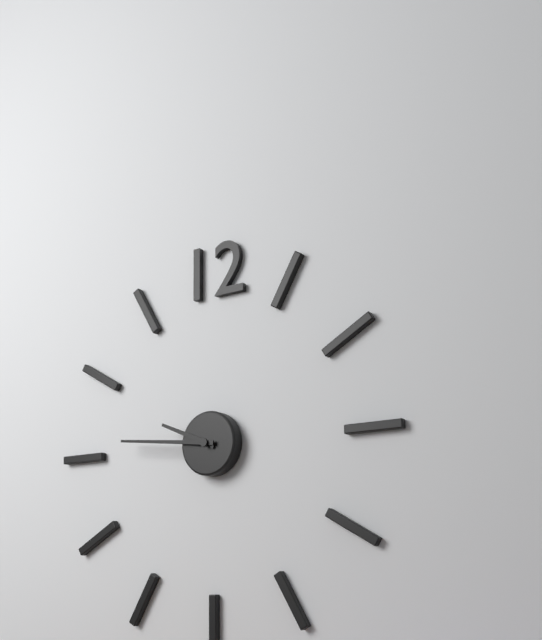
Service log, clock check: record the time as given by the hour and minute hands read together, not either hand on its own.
9:46
